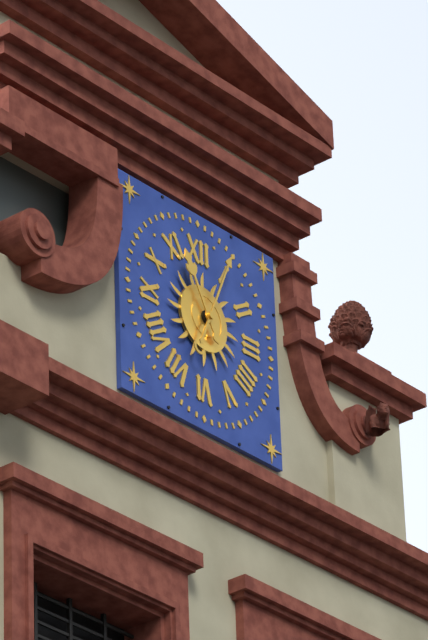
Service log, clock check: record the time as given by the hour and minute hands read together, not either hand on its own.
11:04
